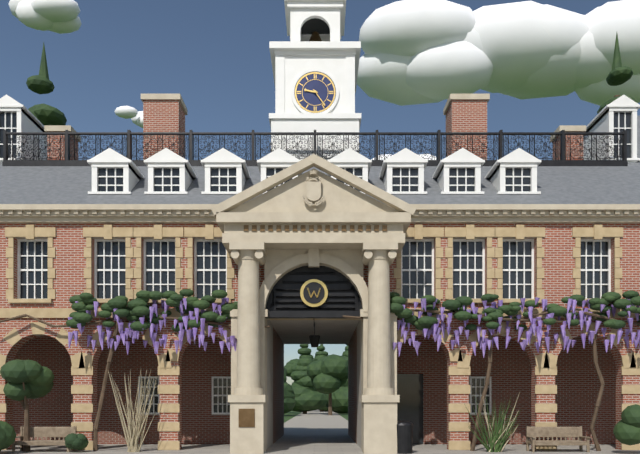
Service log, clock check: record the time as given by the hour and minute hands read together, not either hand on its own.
9:24
